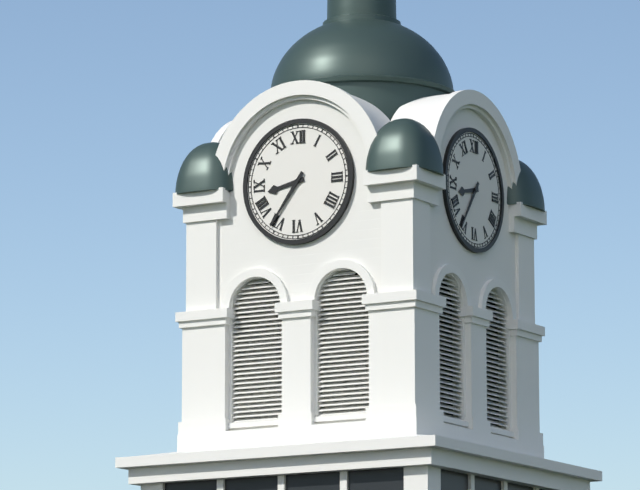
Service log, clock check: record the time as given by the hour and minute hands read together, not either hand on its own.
8:36
